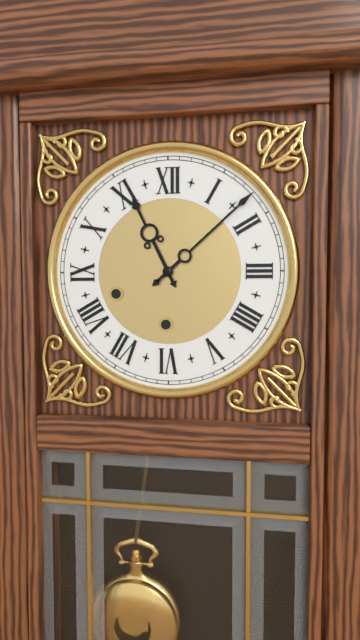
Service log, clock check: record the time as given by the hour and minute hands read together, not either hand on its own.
11:08
